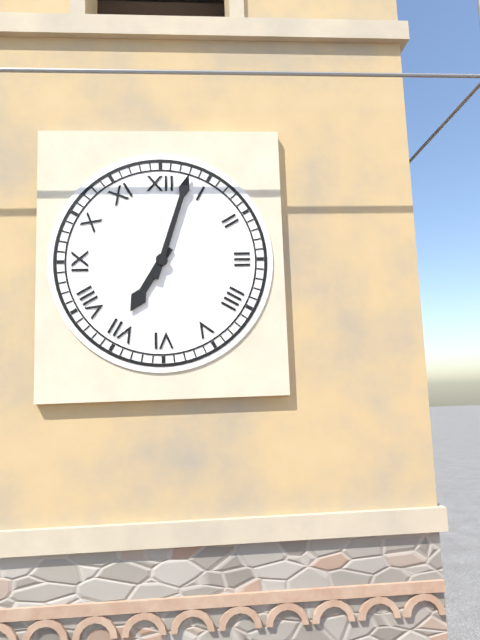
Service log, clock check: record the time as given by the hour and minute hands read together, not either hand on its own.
7:03
